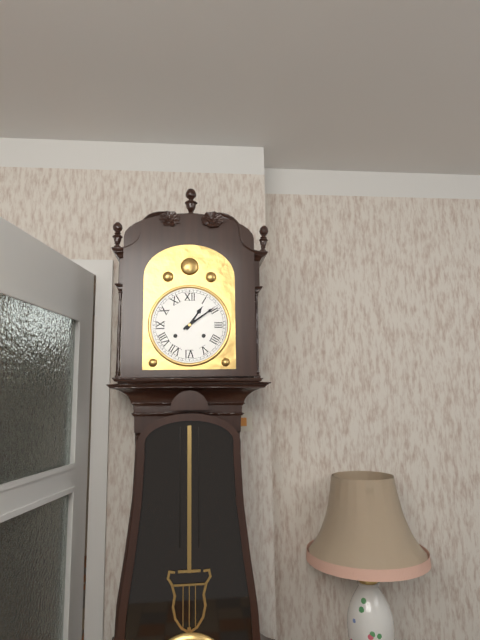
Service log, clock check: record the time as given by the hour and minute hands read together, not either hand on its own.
1:09
